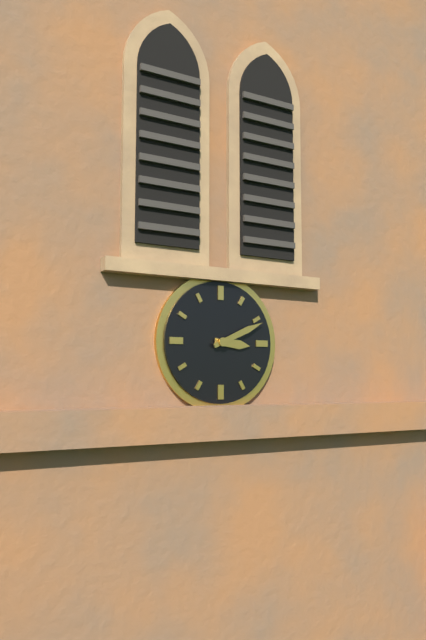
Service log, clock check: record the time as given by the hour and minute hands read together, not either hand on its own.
3:11
